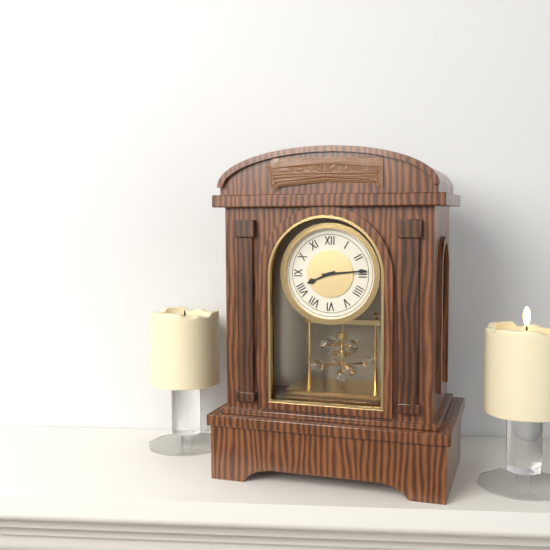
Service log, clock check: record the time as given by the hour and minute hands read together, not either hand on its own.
8:14
